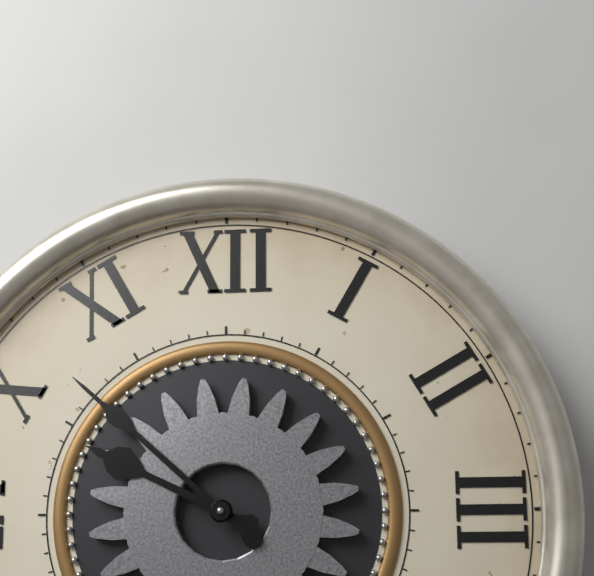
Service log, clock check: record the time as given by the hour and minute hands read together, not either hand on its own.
9:52
